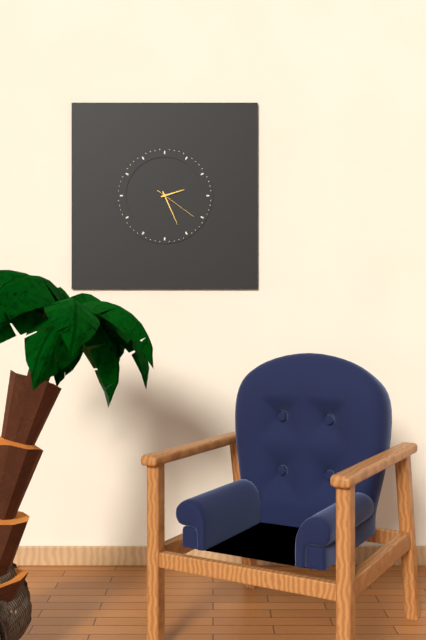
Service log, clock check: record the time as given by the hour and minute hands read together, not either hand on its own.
2:26
